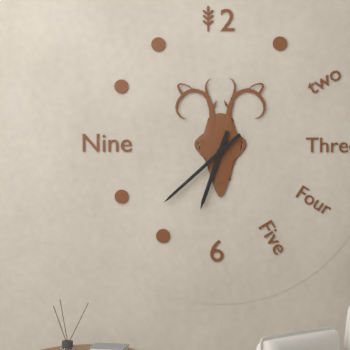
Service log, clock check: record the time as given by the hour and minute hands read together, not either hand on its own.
6:38
